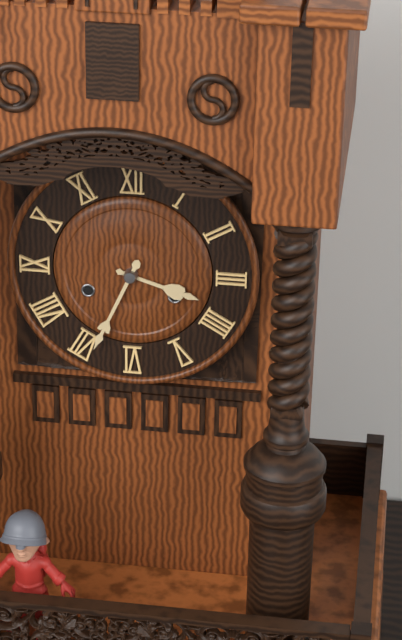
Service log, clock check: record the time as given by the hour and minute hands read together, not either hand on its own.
3:34
